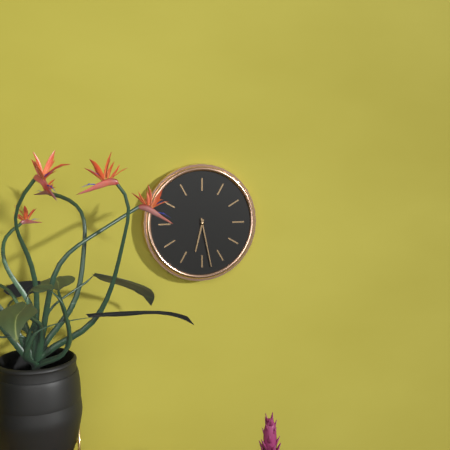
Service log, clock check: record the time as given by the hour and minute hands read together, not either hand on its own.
6:28
